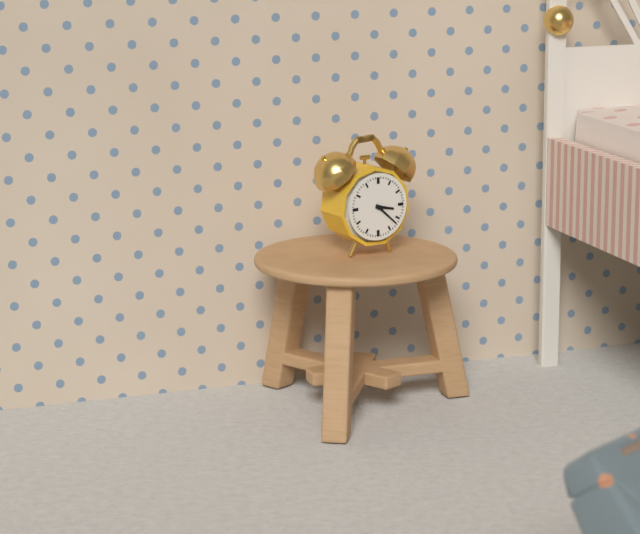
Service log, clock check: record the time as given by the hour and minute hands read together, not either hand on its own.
3:22
